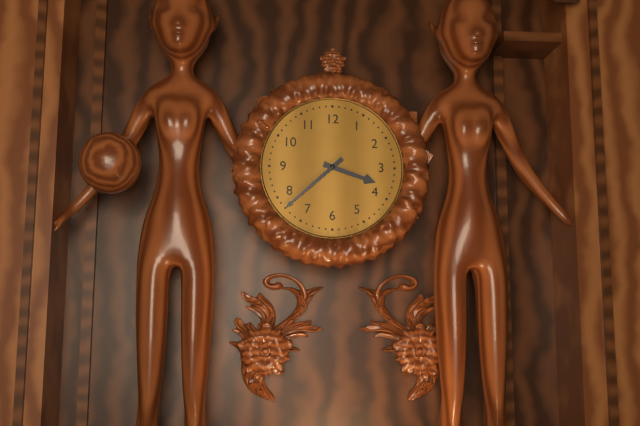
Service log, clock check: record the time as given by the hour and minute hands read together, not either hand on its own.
3:38
